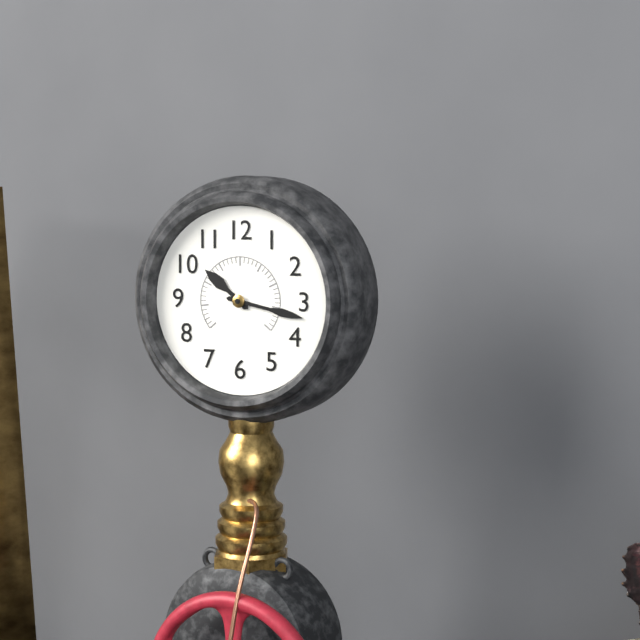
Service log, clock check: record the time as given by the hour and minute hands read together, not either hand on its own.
10:17
